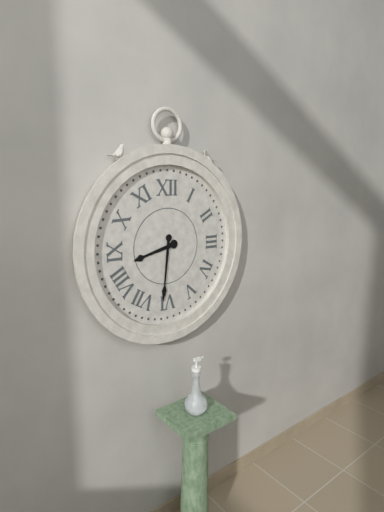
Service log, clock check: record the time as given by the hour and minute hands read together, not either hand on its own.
8:31
